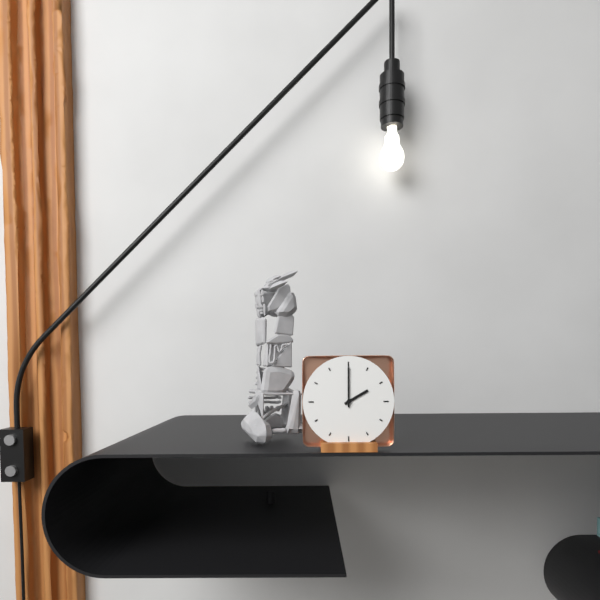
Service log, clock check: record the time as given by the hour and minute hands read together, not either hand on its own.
2:00
